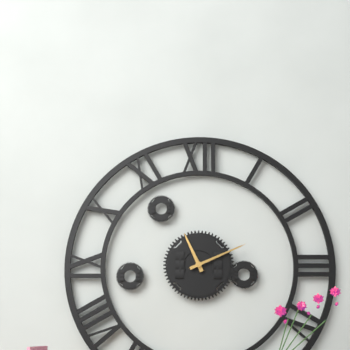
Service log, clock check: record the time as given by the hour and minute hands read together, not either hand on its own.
11:11
